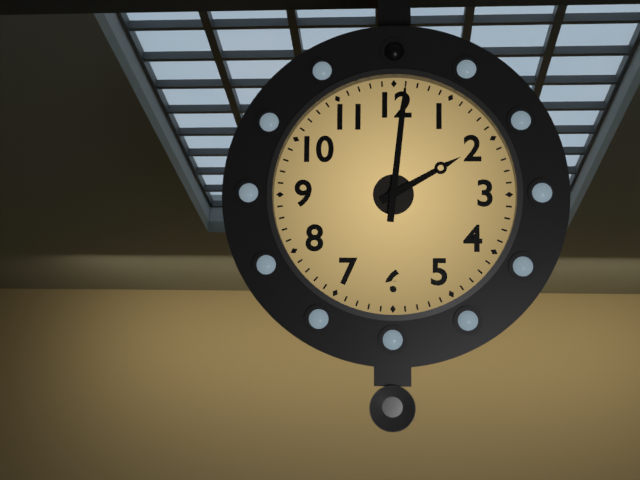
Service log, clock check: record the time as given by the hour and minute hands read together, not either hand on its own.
2:01
